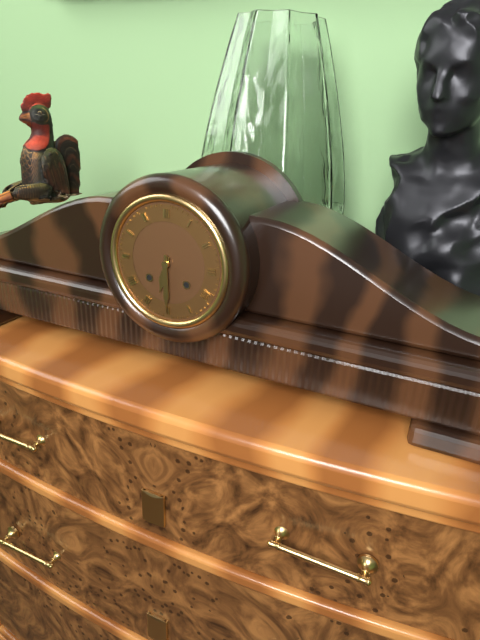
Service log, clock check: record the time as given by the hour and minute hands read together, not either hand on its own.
6:30
